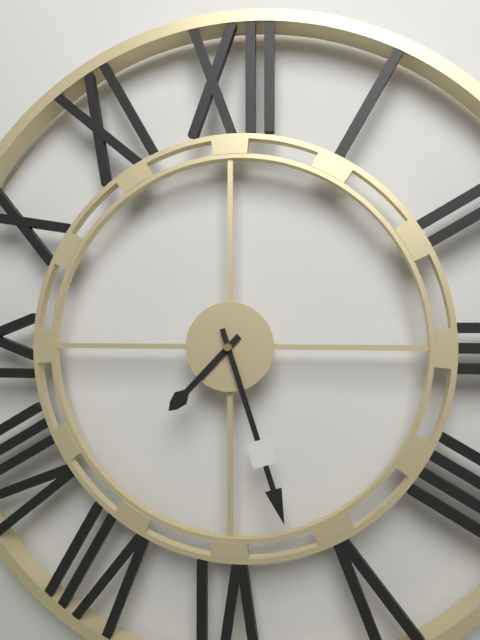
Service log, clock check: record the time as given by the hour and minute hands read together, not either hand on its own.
7:27
